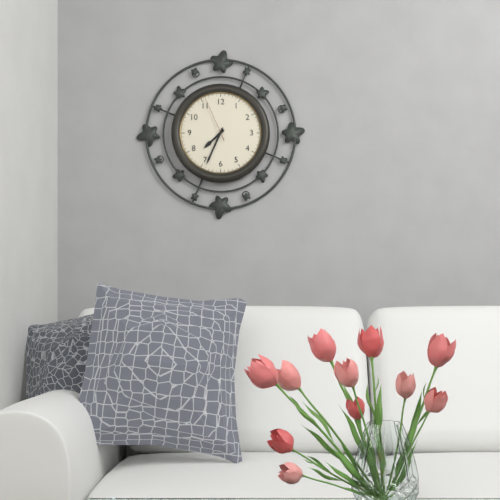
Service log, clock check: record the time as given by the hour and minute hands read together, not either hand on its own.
7:34
